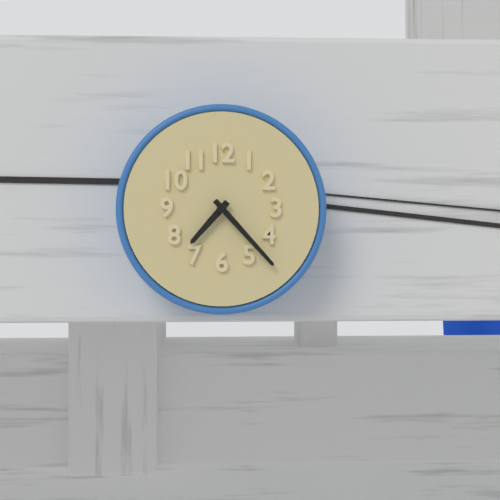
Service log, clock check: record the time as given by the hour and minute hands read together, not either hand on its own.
7:23
